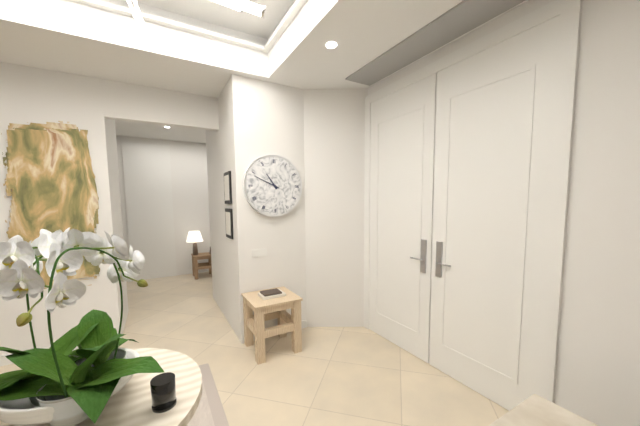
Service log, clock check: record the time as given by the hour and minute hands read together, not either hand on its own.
10:49
